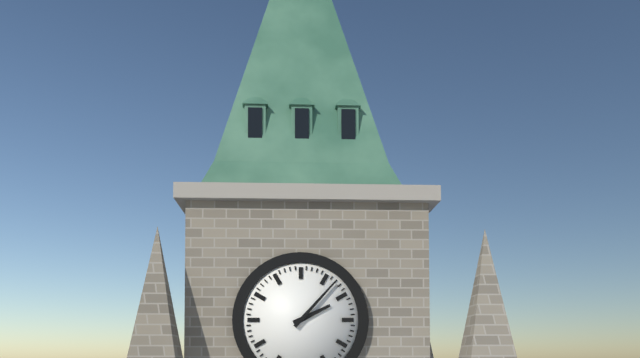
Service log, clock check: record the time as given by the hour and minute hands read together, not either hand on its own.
2:07
